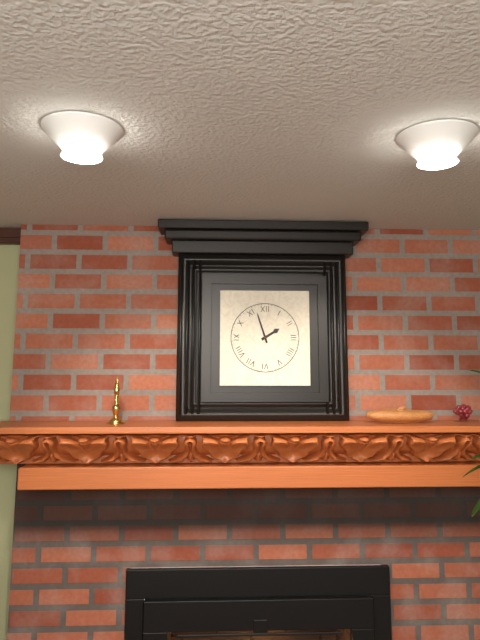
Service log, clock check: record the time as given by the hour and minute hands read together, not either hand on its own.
1:57
